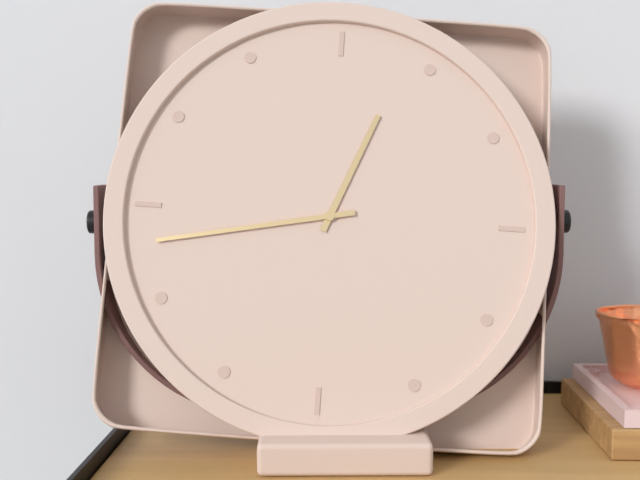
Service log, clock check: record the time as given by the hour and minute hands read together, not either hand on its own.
12:43
